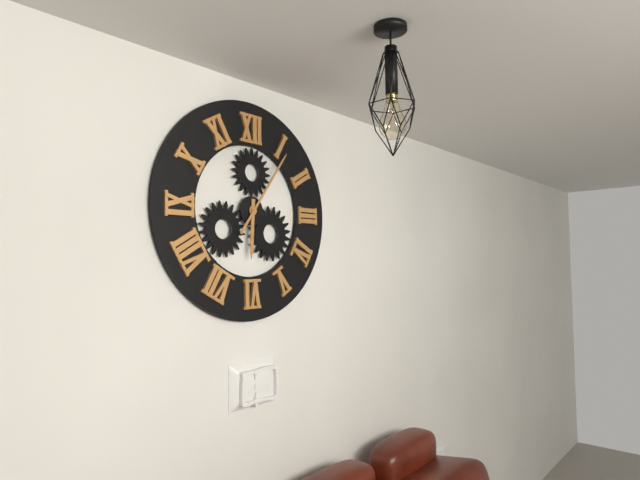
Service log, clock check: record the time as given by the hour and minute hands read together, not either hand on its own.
6:06
